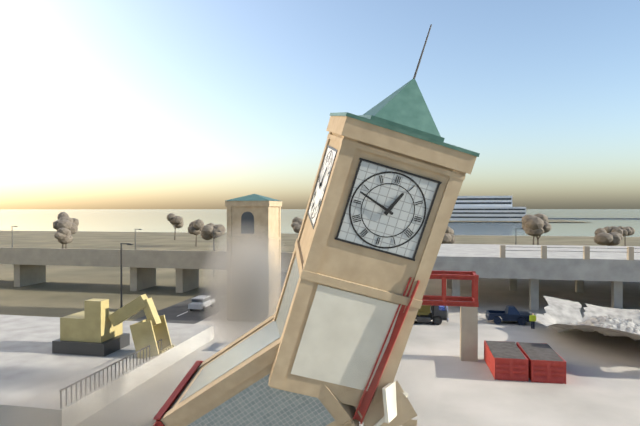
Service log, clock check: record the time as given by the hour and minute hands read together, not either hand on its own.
12:48
